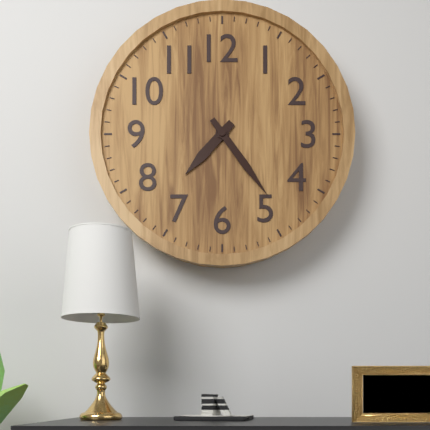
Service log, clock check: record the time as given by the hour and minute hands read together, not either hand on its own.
7:24
